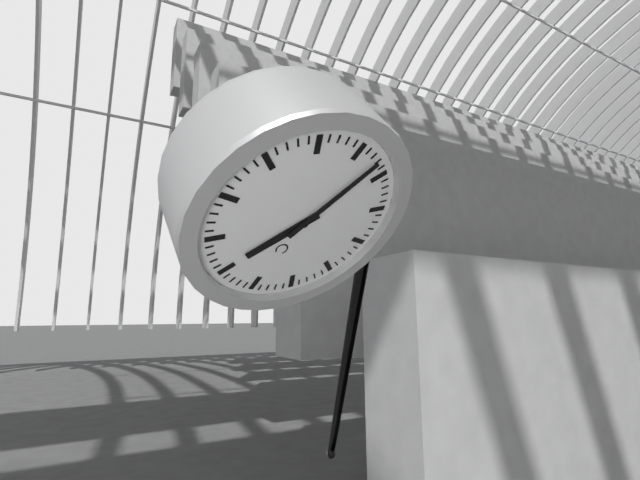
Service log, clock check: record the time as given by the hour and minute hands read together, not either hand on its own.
7:03
